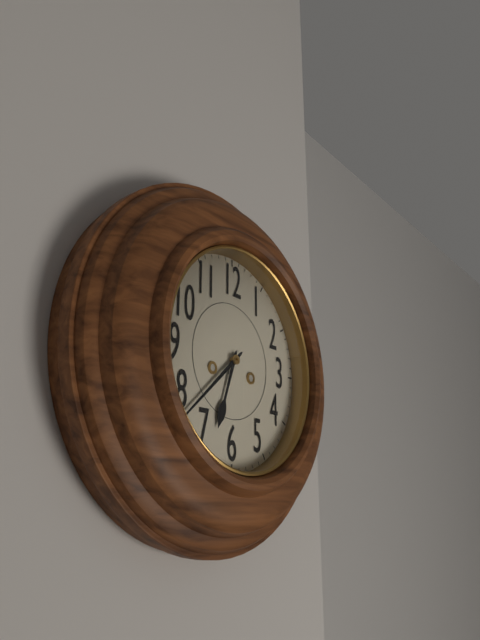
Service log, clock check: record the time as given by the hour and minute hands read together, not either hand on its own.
6:38
